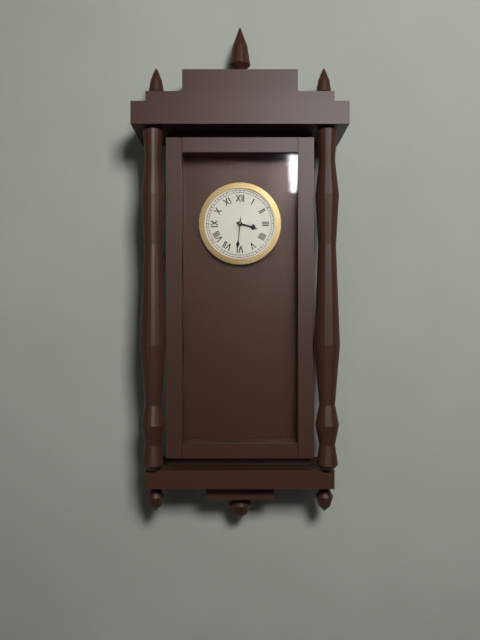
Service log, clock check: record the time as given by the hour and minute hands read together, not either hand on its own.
3:31
